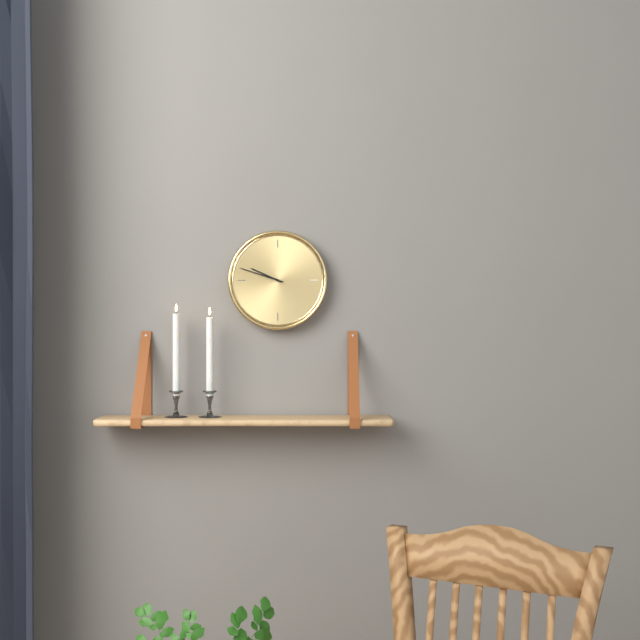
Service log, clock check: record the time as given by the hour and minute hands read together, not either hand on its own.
9:48
